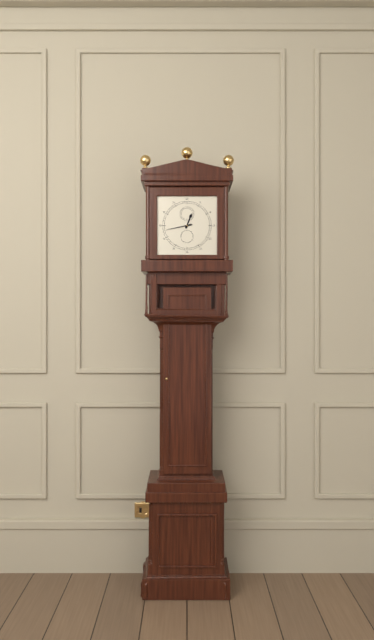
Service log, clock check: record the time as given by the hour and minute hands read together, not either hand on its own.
12:43
